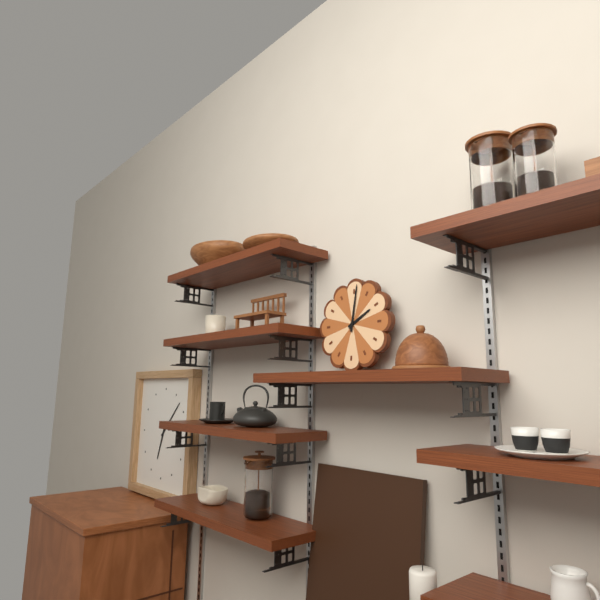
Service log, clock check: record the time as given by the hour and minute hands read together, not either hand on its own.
2:01
